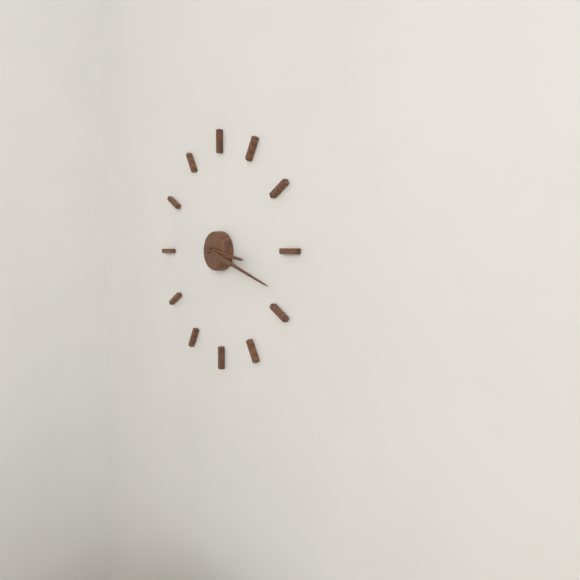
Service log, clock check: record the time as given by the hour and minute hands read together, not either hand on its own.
3:18
